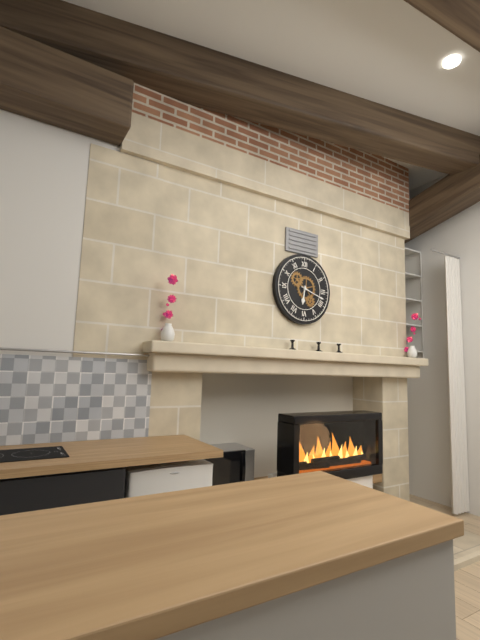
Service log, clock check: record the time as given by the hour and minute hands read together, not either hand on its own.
6:18
